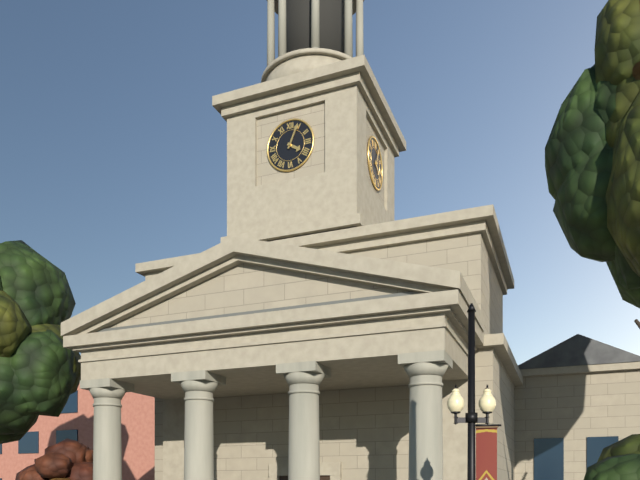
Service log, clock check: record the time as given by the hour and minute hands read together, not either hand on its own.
4:04
